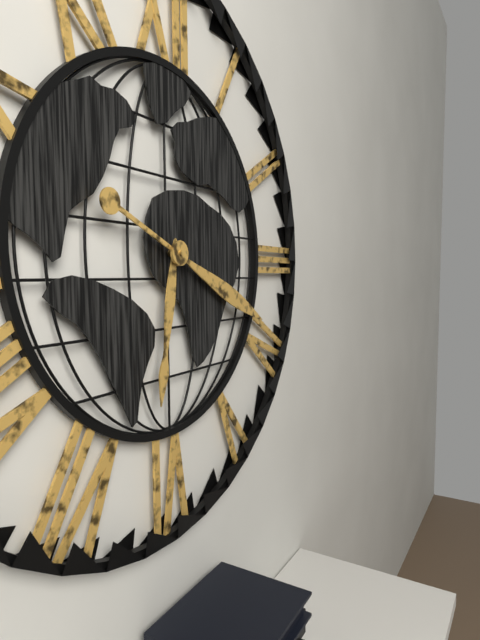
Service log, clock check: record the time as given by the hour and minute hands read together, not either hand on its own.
6:19
